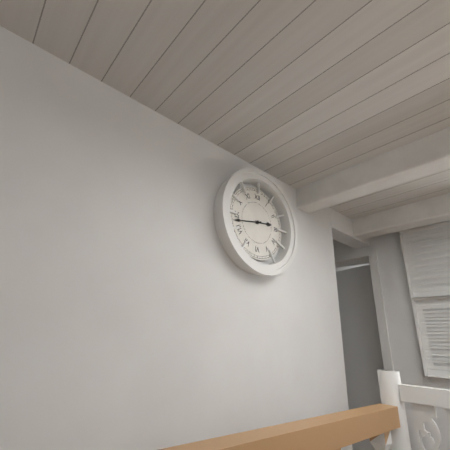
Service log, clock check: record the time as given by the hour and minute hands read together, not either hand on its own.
2:43
